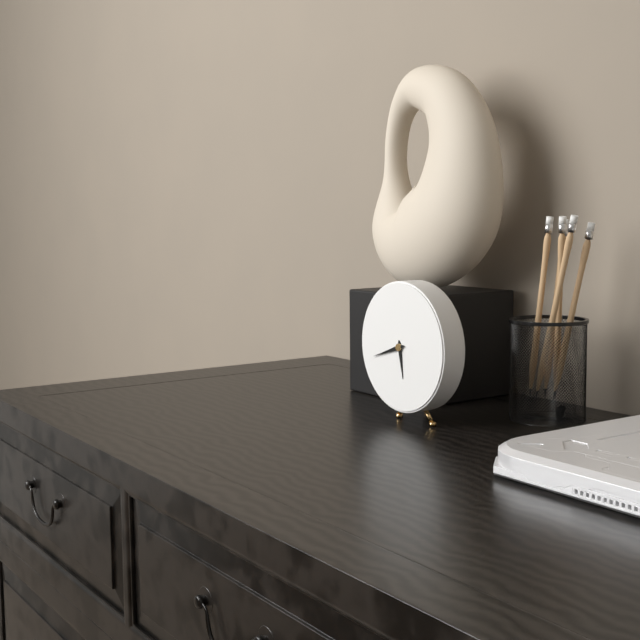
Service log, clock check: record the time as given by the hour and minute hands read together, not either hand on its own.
5:42
